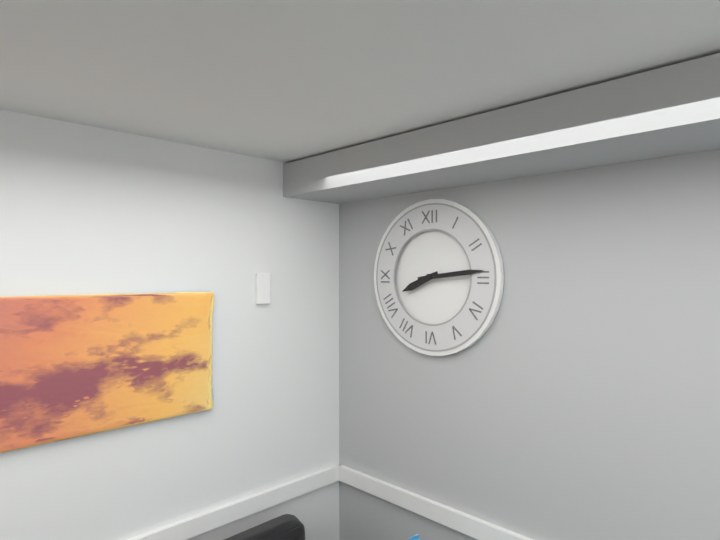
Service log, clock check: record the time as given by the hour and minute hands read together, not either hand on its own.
8:14
